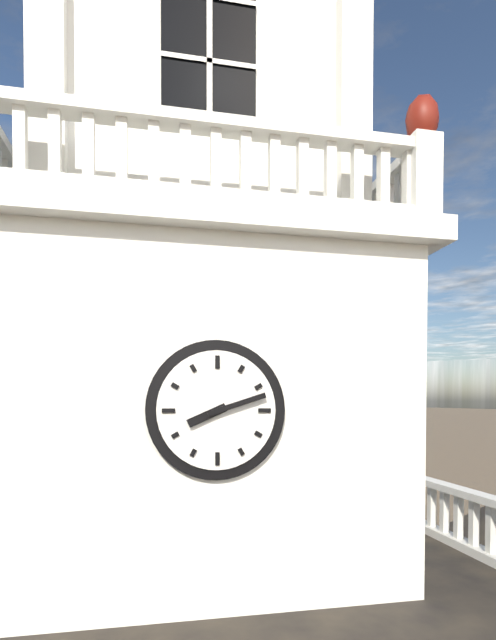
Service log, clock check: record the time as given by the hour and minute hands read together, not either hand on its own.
8:12
